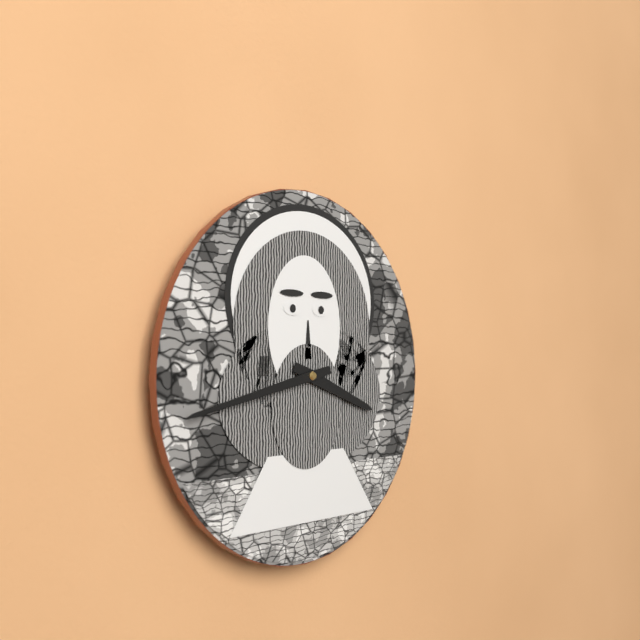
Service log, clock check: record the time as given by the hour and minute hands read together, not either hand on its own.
3:43
